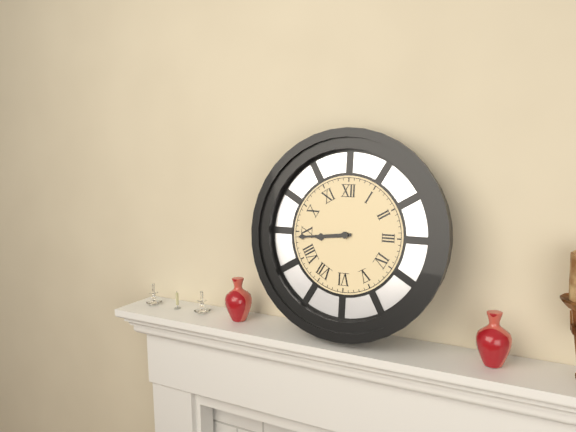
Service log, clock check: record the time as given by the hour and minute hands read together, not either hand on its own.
8:44
